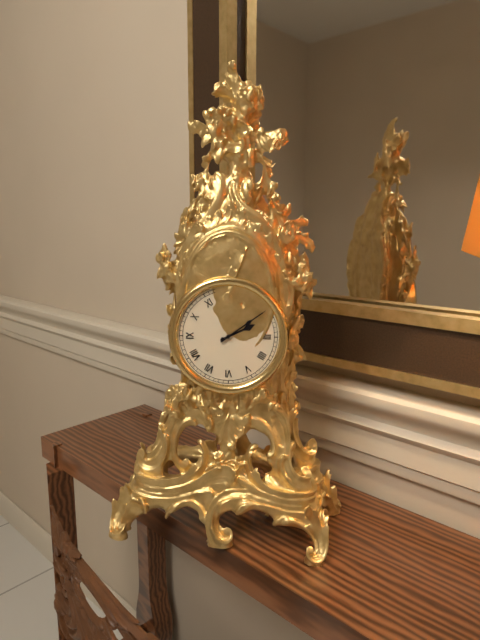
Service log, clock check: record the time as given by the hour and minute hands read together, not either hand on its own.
2:09
